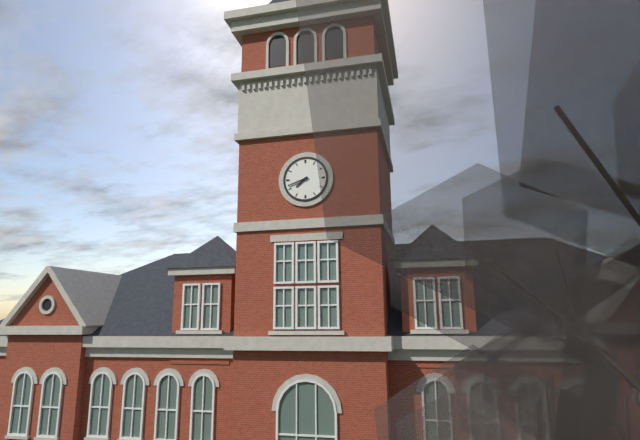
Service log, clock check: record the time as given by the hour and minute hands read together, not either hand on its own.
7:42
